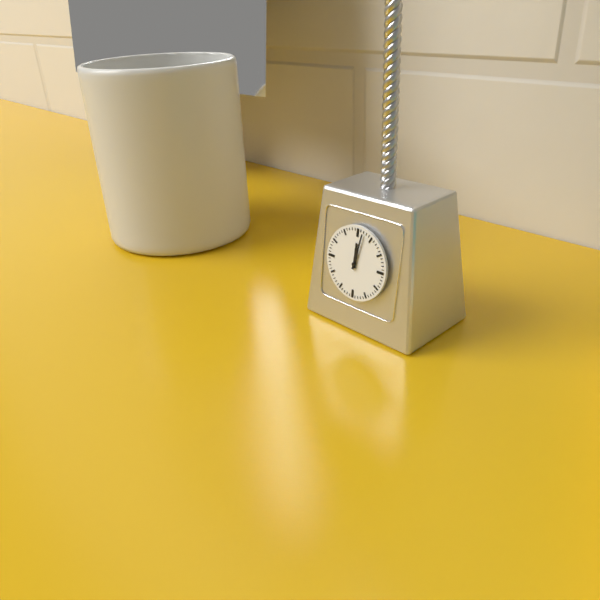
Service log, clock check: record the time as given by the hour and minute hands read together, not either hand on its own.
12:02
